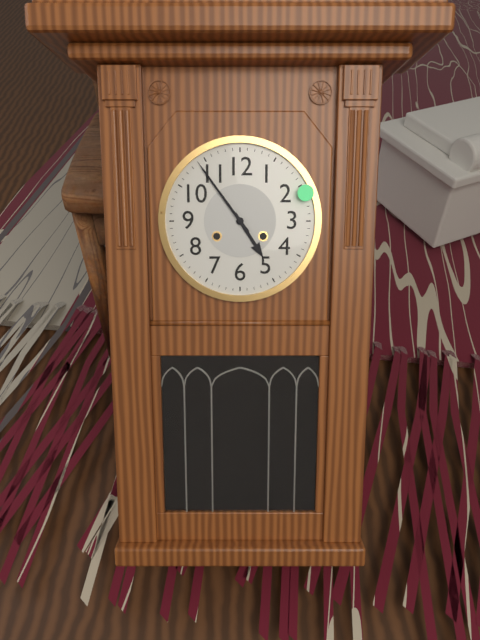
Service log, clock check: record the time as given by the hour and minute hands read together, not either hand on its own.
4:54
